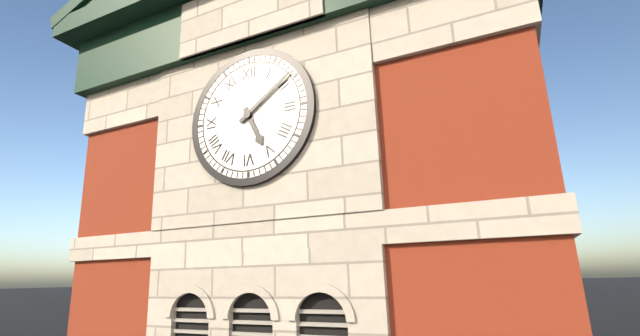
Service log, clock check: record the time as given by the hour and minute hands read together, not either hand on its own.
5:09
